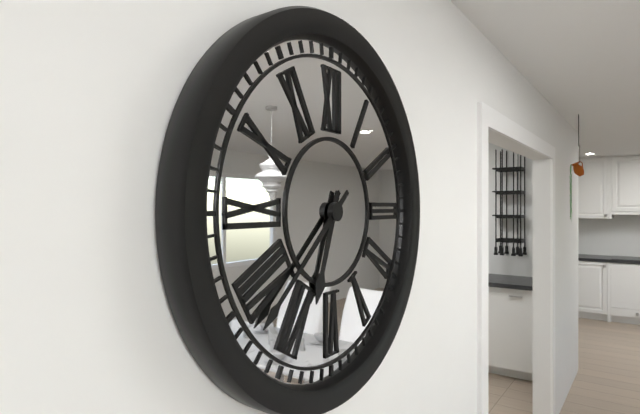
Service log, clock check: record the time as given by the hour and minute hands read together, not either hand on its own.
6:38
